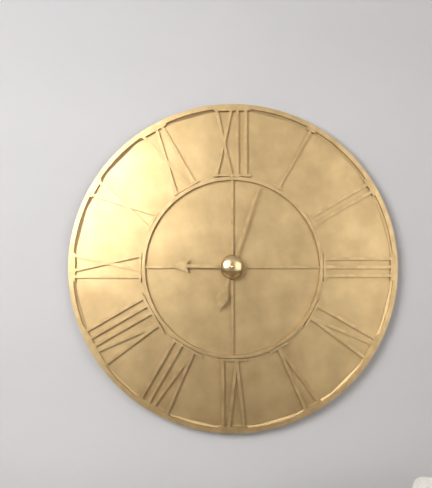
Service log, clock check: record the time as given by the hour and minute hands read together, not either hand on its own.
9:03
